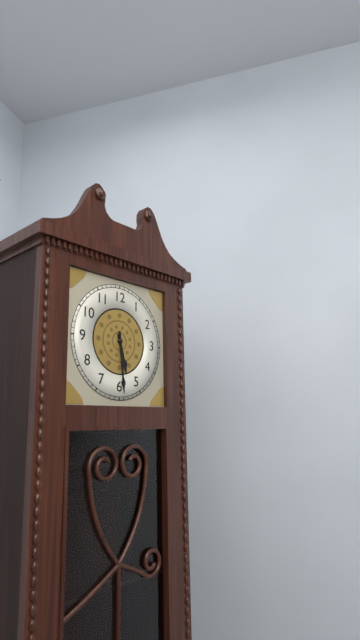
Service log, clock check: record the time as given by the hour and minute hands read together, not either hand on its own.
5:29
